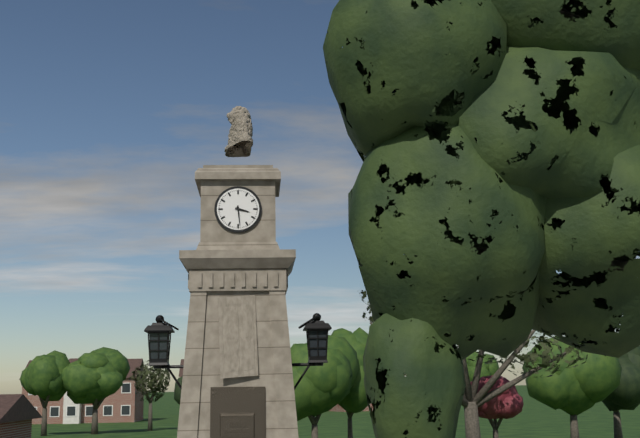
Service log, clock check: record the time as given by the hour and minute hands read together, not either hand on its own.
3:29
